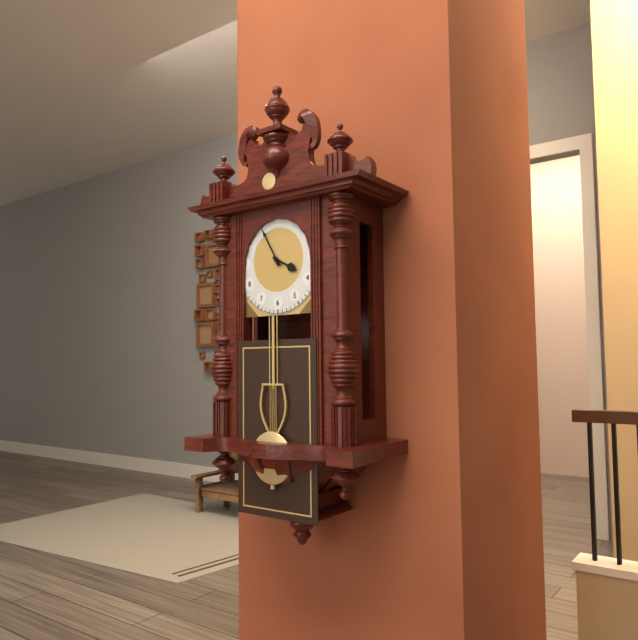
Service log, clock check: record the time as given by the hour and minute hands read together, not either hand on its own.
3:55
